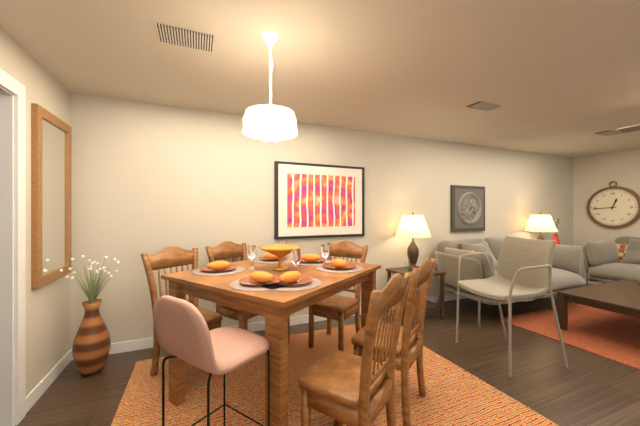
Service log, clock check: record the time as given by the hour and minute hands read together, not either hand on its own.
12:44
